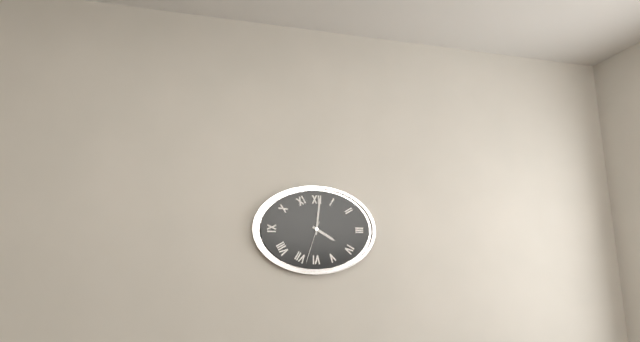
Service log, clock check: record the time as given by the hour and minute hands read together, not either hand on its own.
4:01
